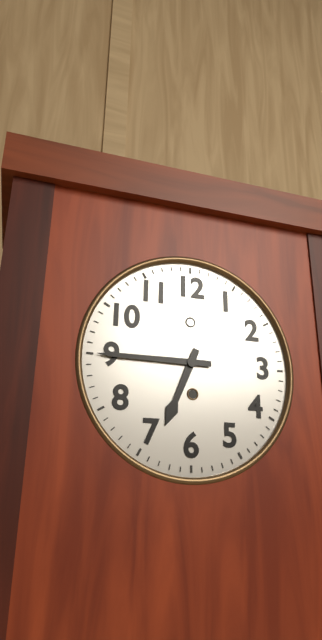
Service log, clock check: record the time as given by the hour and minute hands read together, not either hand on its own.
6:45
